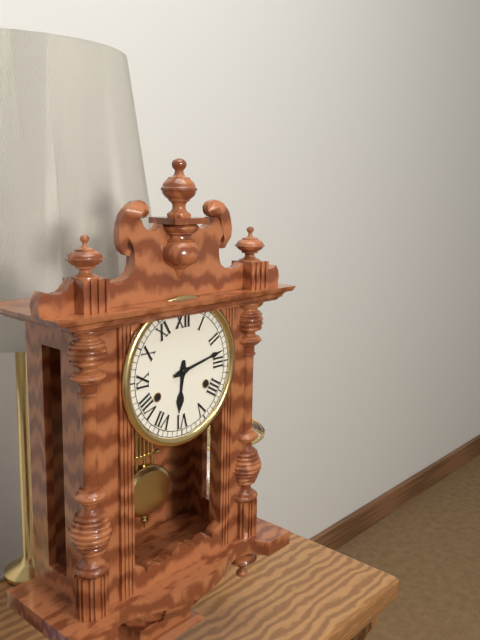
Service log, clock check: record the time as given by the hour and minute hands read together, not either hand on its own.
6:13
